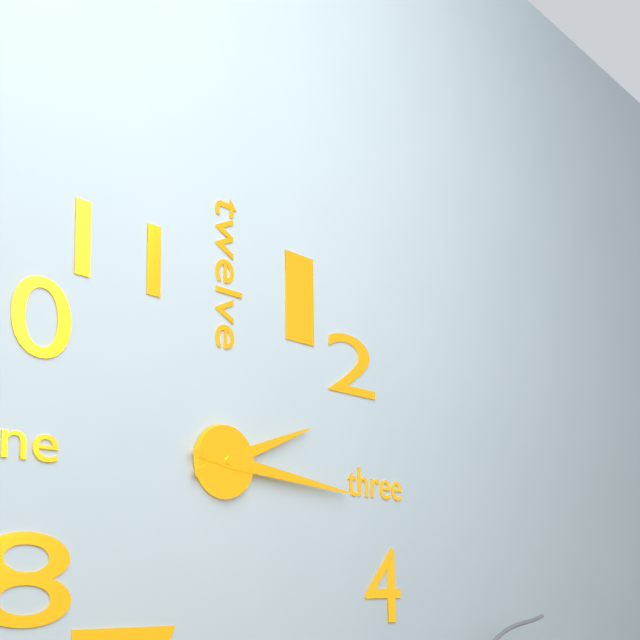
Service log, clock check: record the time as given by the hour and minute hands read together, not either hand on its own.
2:16
